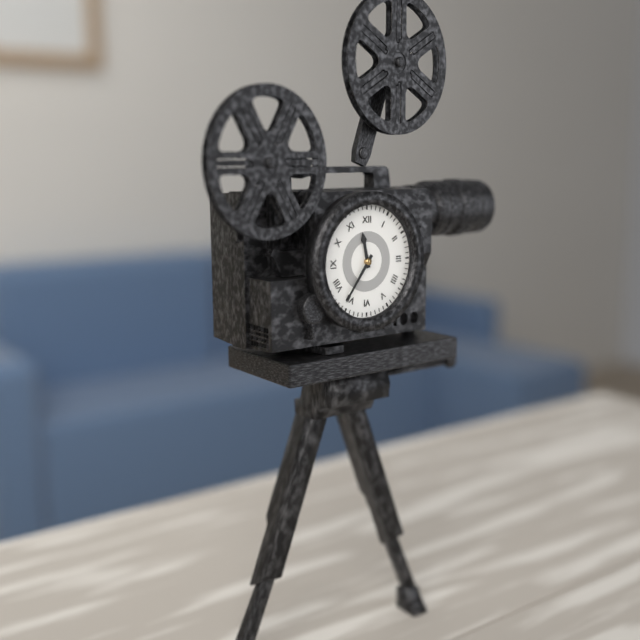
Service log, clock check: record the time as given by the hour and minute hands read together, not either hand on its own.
11:36
